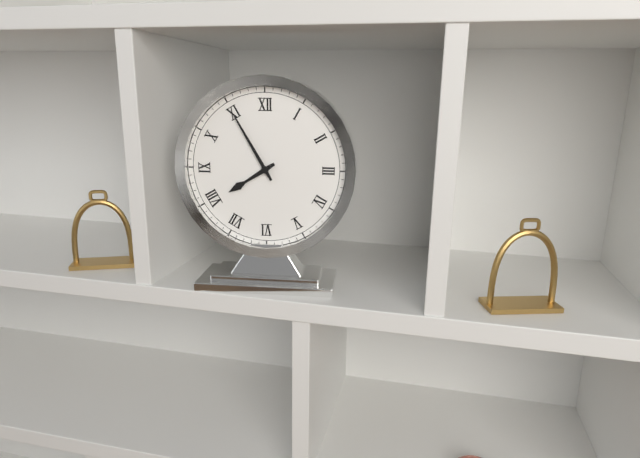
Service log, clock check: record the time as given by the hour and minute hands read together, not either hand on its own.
7:55
